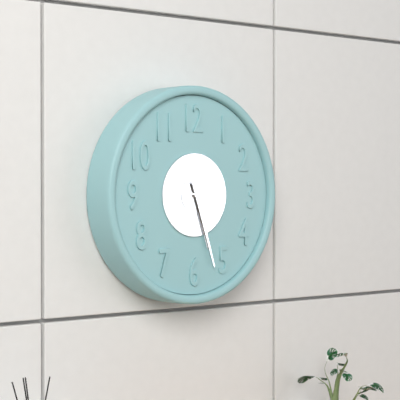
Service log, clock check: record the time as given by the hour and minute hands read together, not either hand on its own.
5:27
